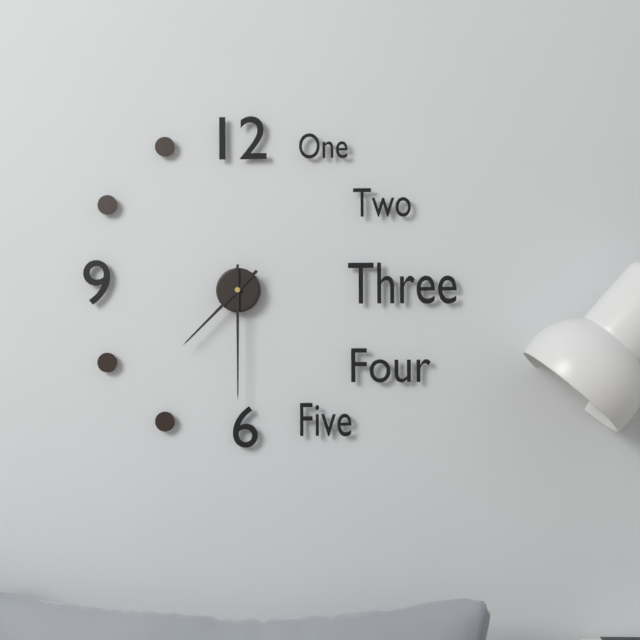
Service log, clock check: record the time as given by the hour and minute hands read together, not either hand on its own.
7:30
